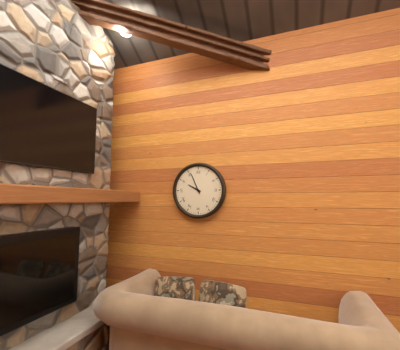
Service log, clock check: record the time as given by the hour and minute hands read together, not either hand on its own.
9:56
